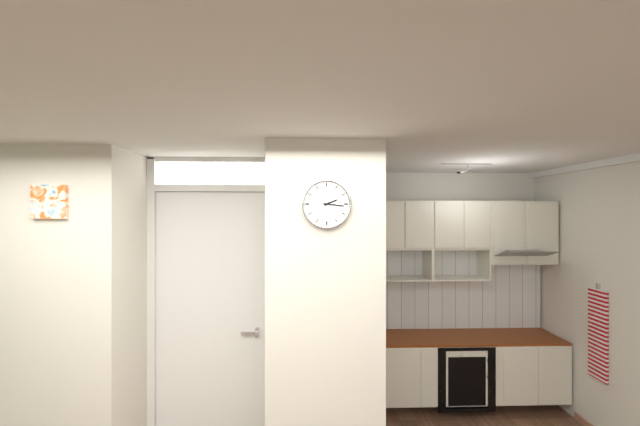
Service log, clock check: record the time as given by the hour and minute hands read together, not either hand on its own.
2:16
